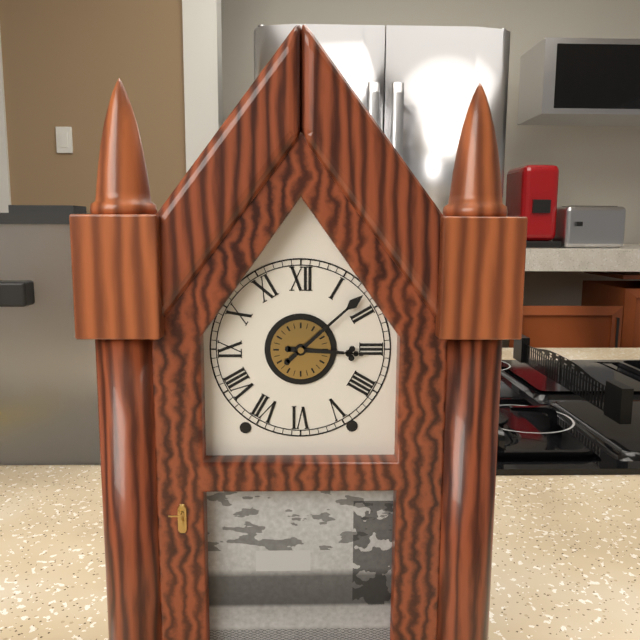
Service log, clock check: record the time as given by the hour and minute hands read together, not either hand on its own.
3:08
